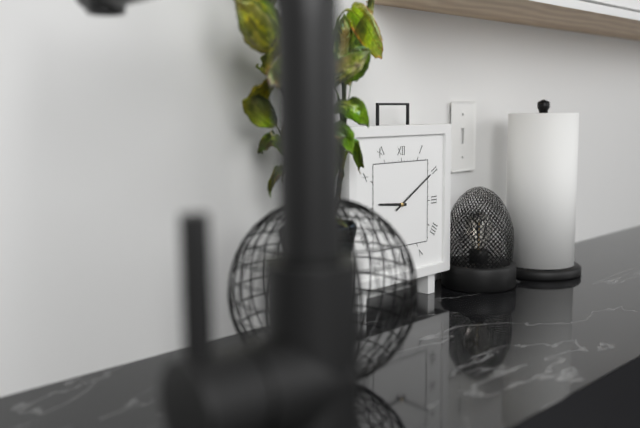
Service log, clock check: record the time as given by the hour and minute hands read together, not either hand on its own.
9:10
